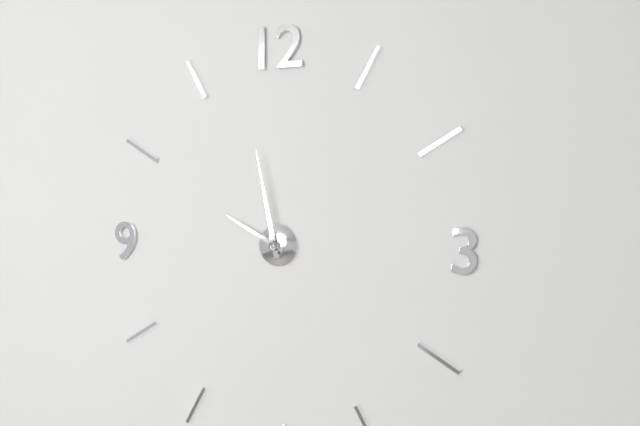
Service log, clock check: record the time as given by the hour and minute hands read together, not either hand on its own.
9:58
